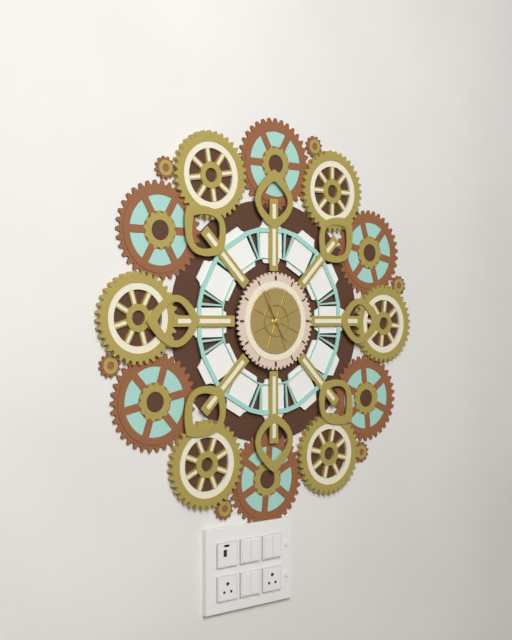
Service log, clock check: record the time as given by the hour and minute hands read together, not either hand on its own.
4:55
